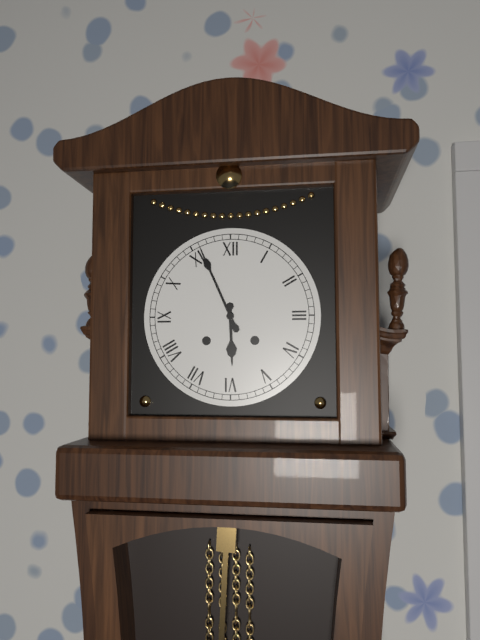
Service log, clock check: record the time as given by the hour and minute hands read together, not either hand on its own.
5:56
